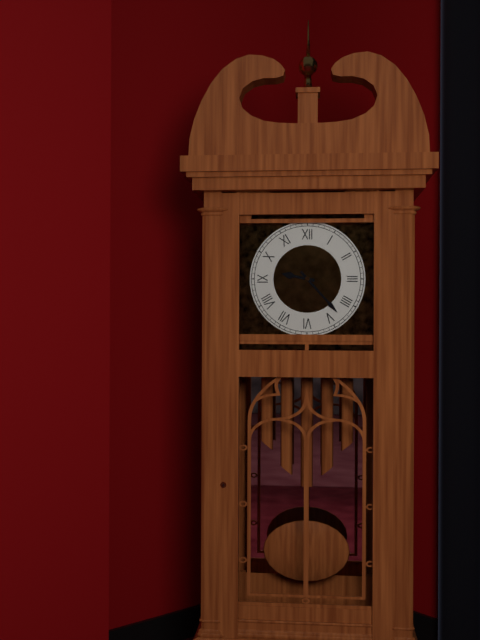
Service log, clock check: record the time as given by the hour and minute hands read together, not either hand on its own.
9:23
